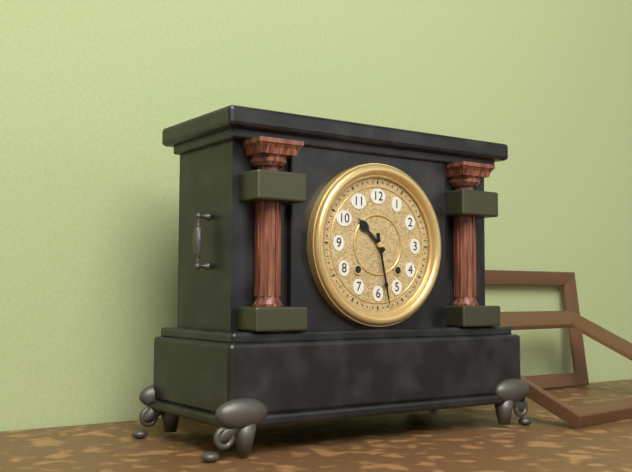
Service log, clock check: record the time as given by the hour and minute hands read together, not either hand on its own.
10:28
